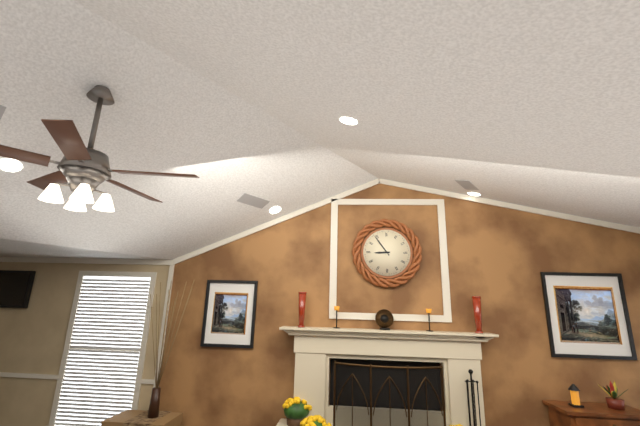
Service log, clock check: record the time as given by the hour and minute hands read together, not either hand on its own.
8:54
